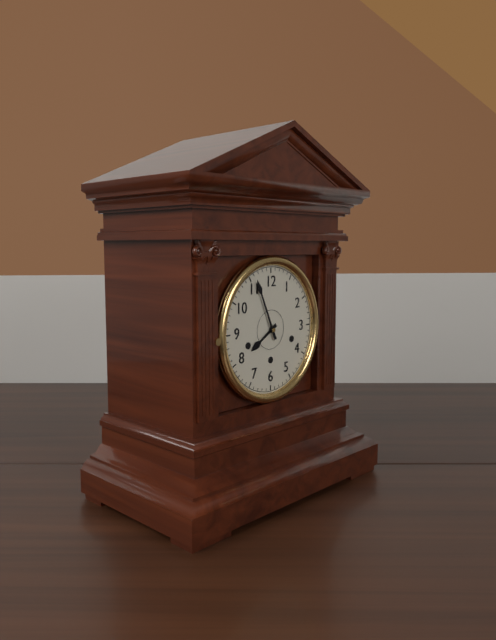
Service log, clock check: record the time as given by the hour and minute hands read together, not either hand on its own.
7:56
